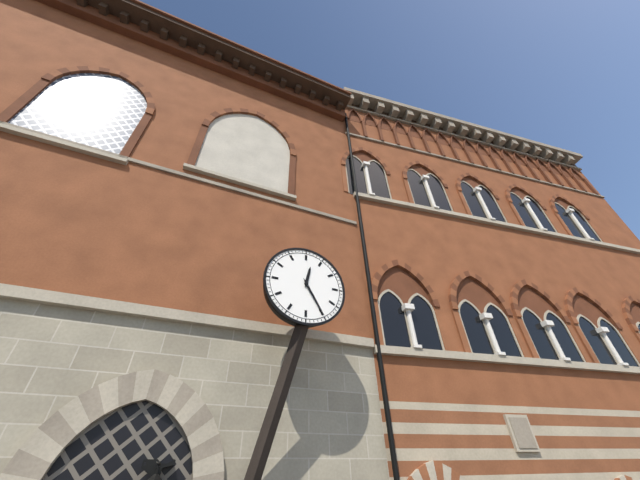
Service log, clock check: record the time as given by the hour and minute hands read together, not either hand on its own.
12:25
